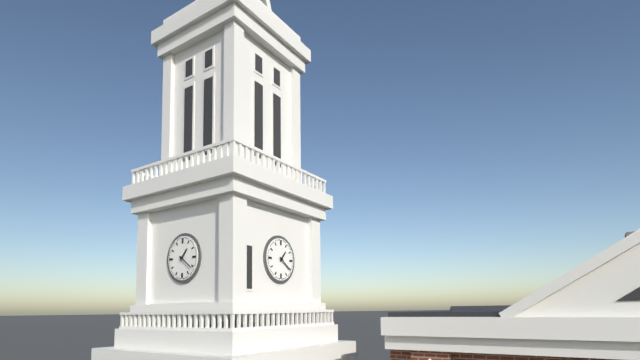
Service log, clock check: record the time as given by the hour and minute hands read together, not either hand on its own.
1:21
